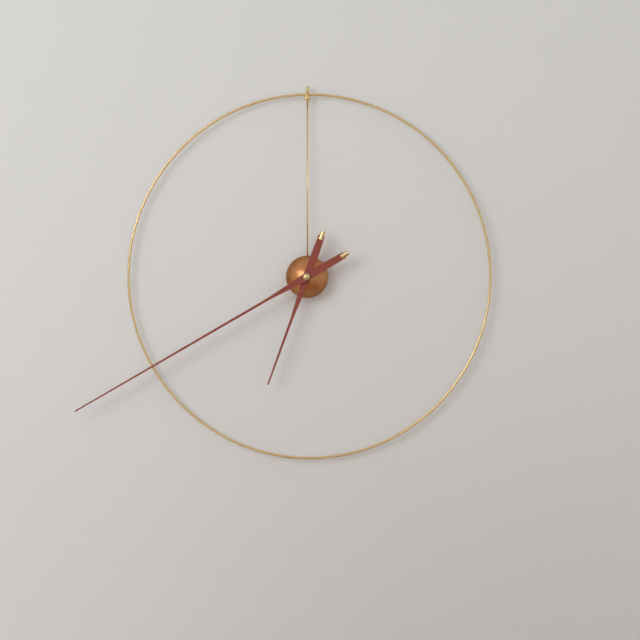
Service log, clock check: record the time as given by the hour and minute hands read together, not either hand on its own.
6:40
